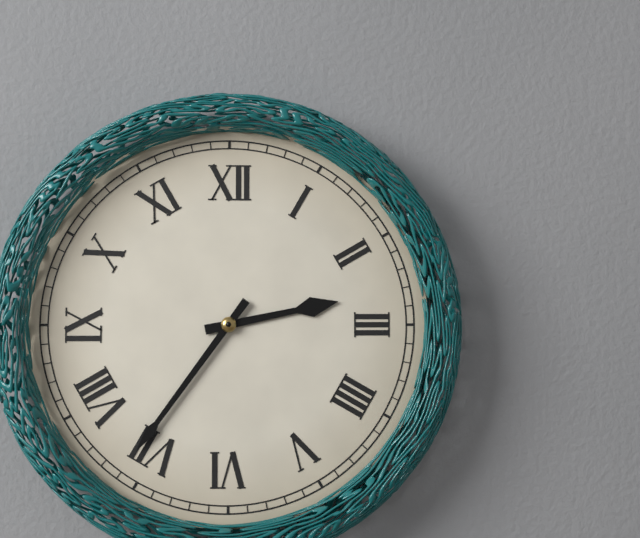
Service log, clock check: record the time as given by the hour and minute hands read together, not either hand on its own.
2:36
